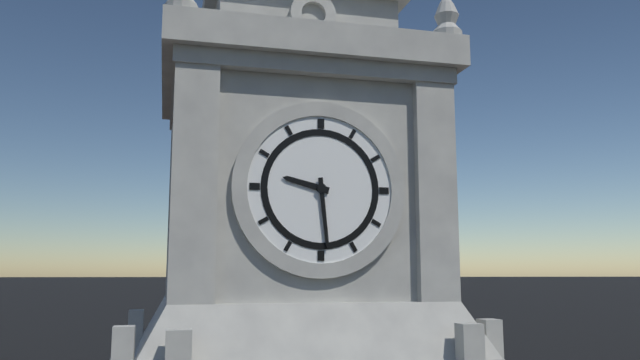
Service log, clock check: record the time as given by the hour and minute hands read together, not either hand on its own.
9:29
